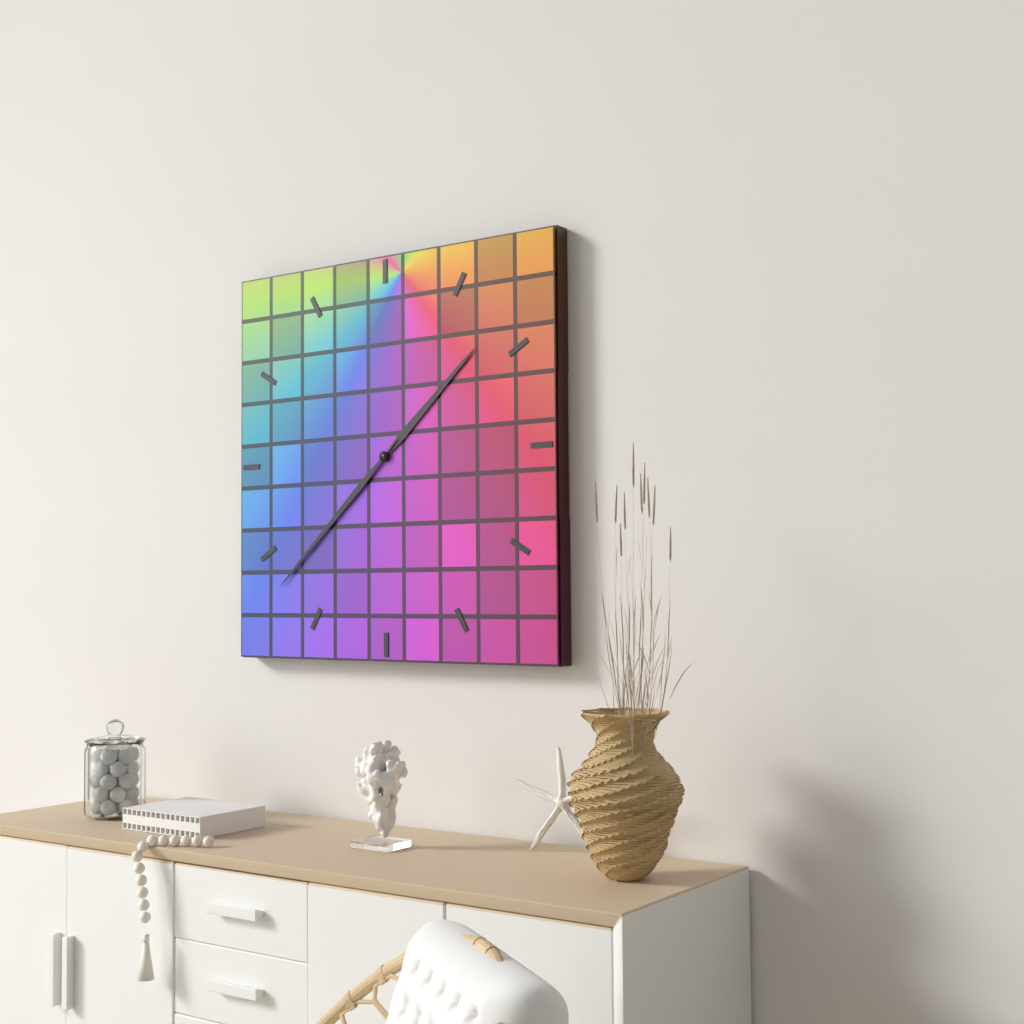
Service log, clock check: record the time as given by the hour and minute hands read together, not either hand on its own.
1:38
